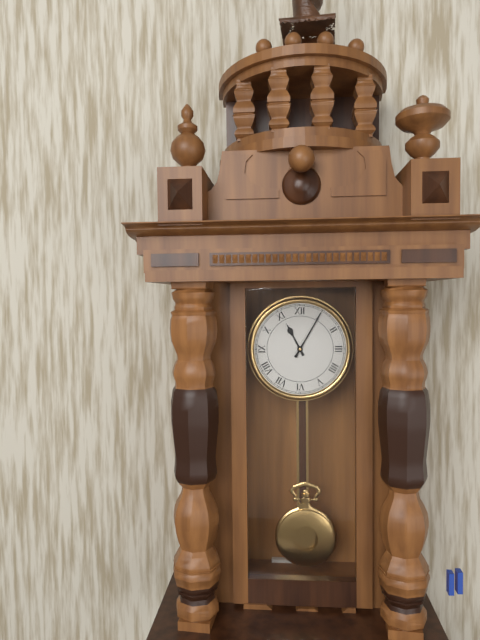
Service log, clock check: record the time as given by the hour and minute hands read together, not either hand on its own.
11:05
